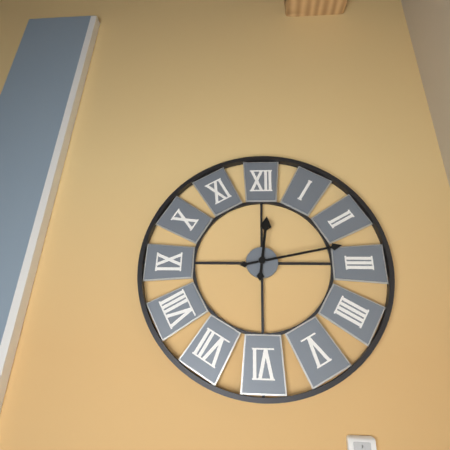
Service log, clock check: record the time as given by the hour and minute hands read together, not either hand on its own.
12:13
